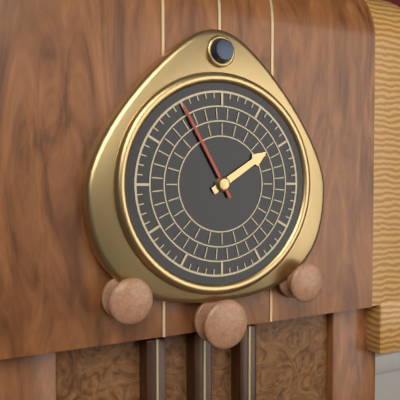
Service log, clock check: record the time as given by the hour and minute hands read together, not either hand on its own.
1:55
